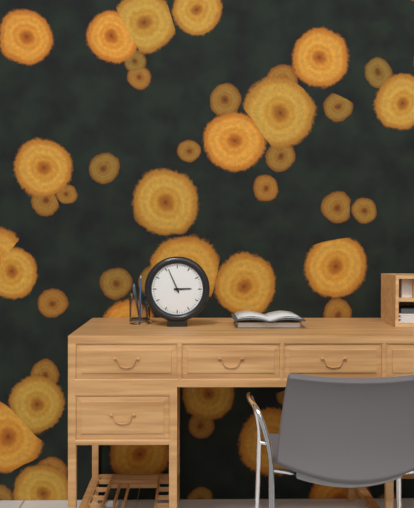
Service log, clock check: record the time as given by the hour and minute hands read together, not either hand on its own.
2:56
